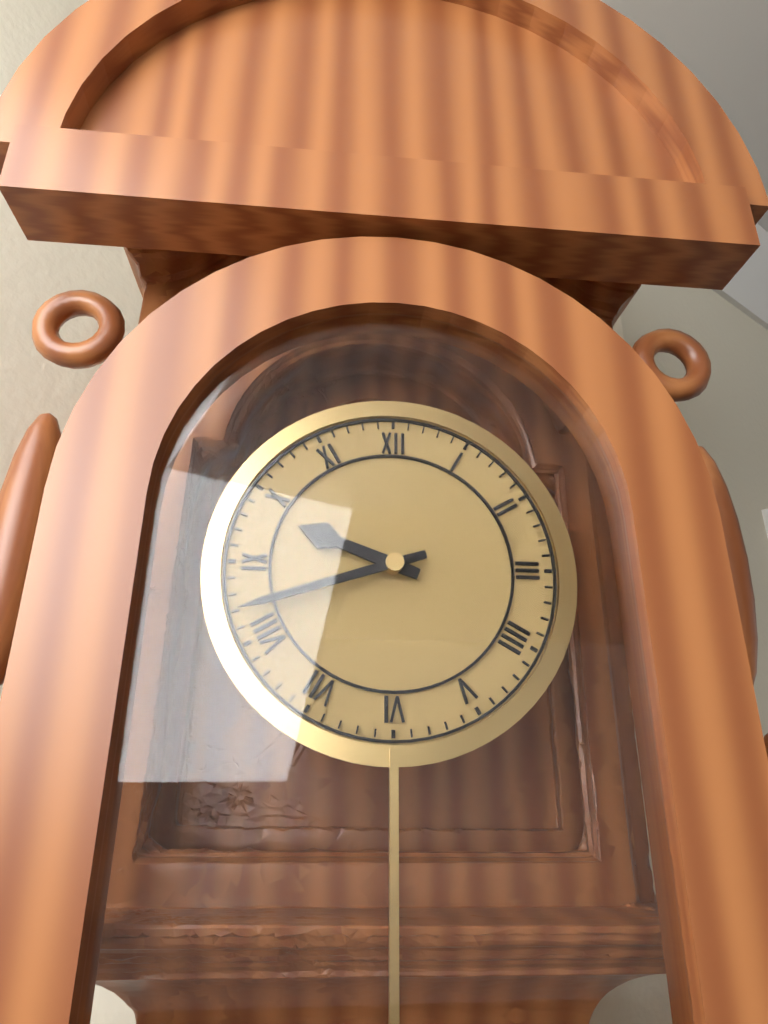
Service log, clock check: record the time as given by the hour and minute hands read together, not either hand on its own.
9:42
